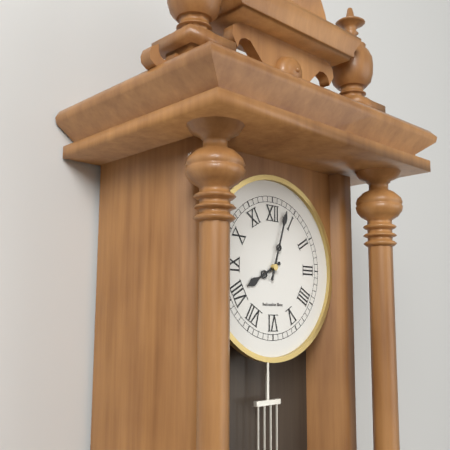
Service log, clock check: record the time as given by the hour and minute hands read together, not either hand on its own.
8:03
